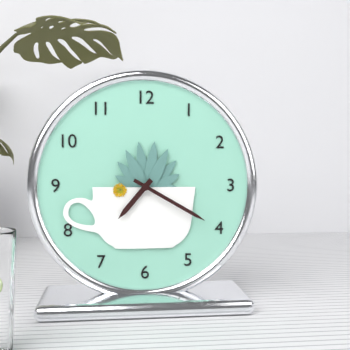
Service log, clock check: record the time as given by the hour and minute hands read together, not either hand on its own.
7:20
